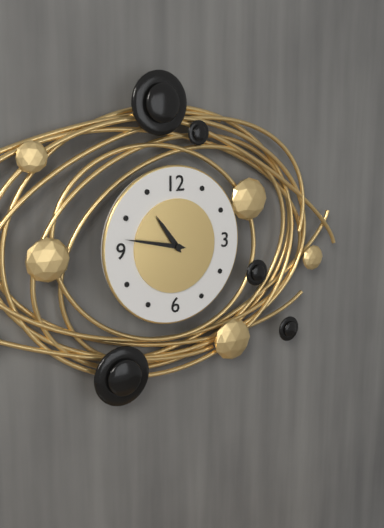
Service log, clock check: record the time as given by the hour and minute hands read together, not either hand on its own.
10:47
